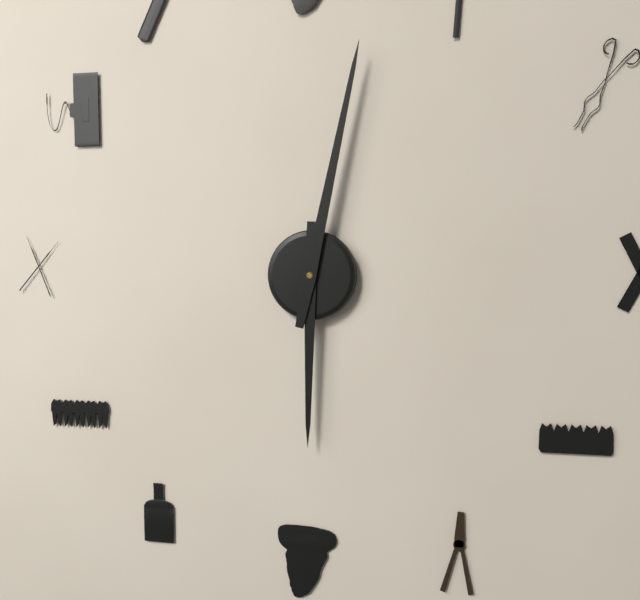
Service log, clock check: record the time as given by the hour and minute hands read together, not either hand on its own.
6:02
